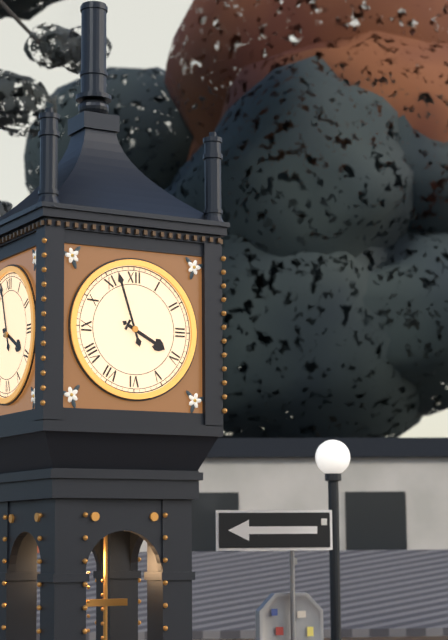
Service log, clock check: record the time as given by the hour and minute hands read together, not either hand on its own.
3:57
